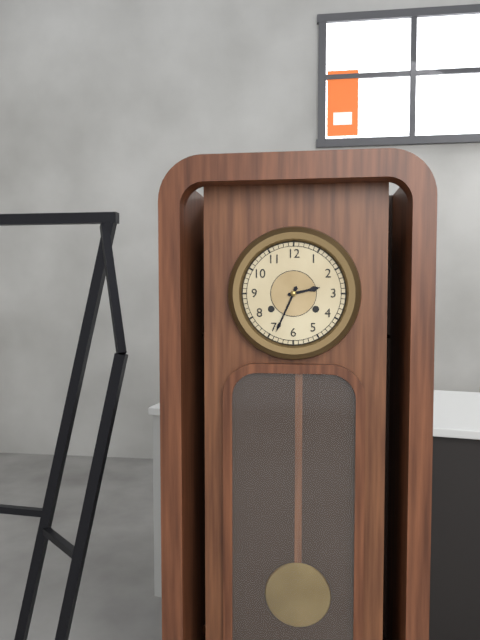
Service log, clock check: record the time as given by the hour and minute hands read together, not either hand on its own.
2:34
